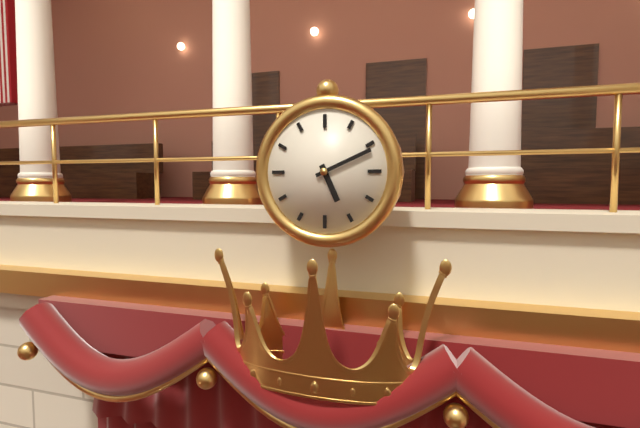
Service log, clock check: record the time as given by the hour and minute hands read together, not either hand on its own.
5:11
